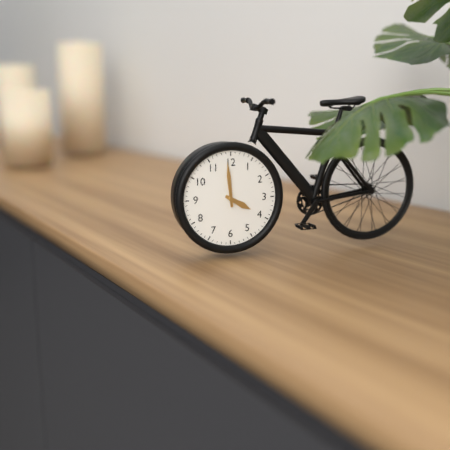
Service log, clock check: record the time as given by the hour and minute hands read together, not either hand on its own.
3:59
